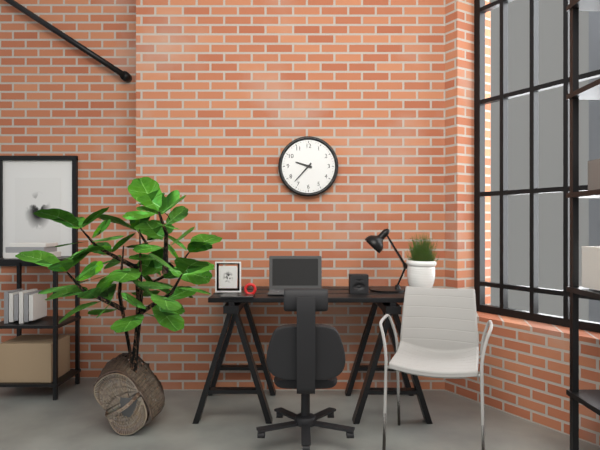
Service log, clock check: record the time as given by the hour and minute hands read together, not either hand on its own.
9:37
